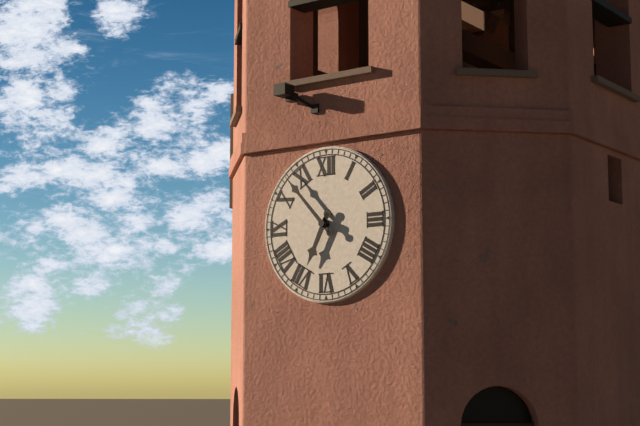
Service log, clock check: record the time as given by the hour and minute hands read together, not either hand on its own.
6:53
